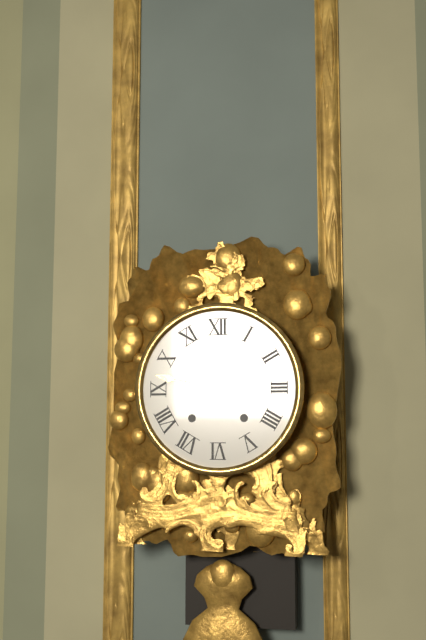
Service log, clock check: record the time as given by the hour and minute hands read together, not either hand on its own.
1:47
